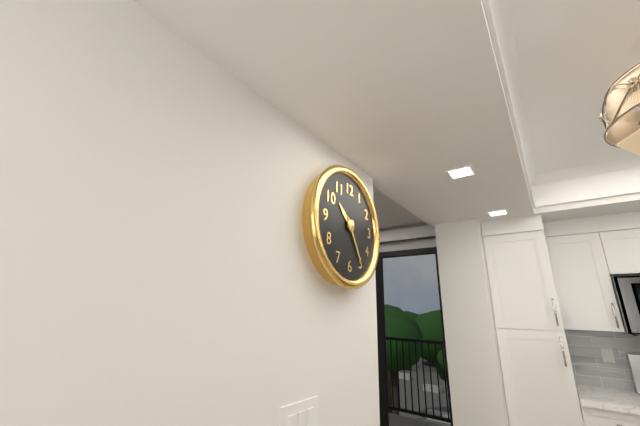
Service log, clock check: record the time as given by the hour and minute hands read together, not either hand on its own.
10:25
